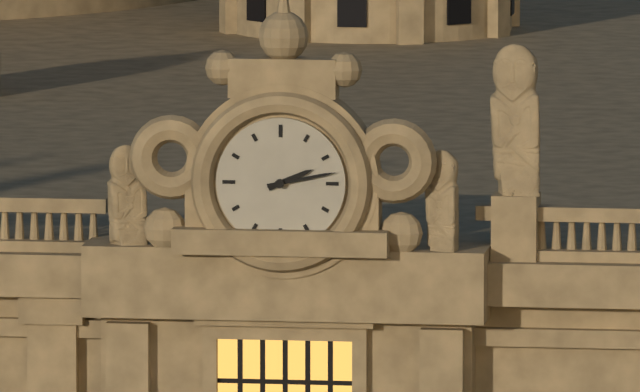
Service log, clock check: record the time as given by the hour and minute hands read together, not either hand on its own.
2:13
